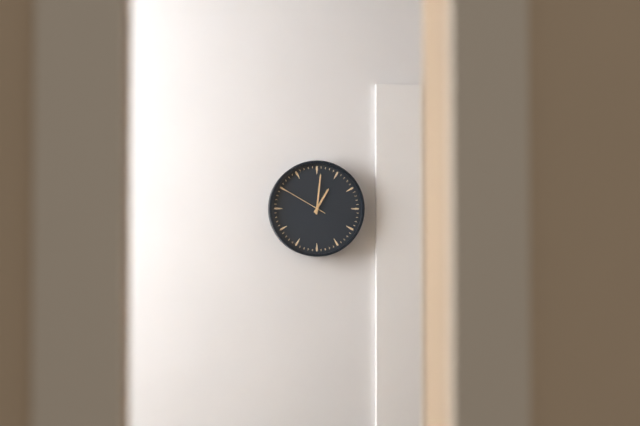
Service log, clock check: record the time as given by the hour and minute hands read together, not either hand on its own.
1:01
